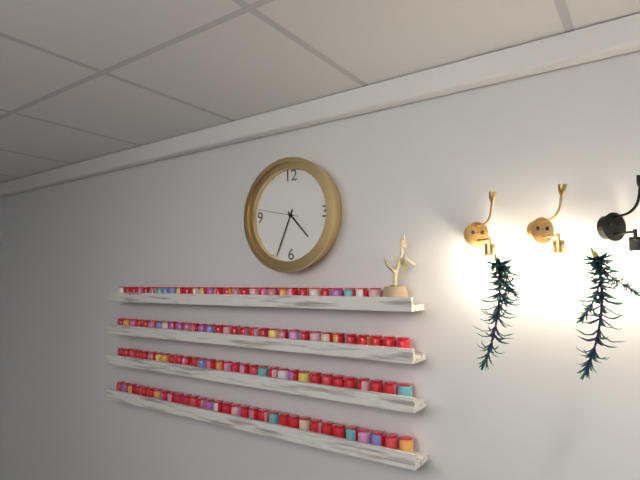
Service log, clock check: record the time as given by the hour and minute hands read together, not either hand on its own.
4:34
